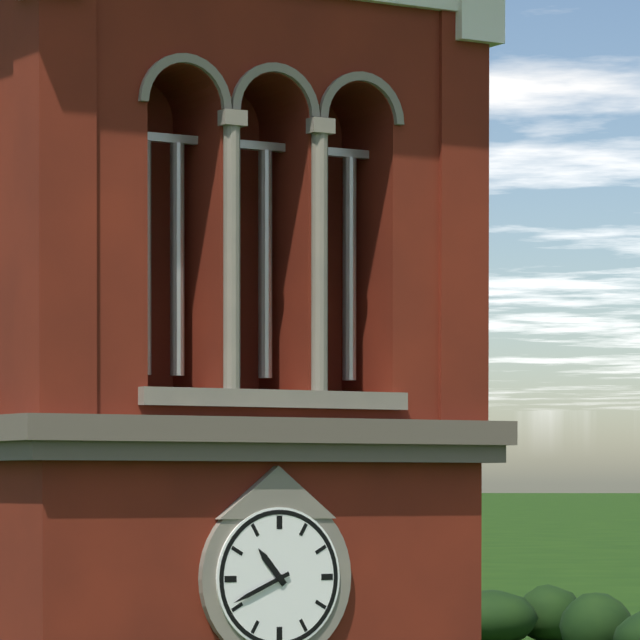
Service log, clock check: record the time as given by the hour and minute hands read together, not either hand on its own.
10:41
